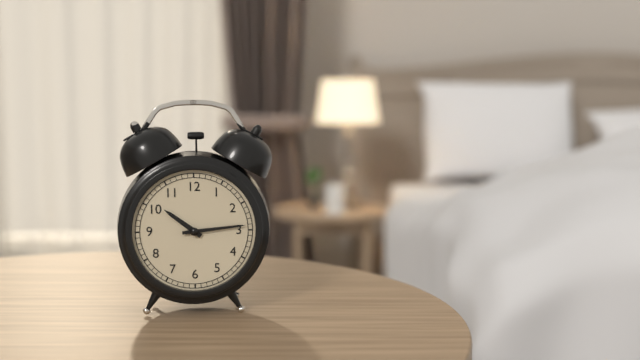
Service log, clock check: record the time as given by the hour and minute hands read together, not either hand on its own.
10:14
